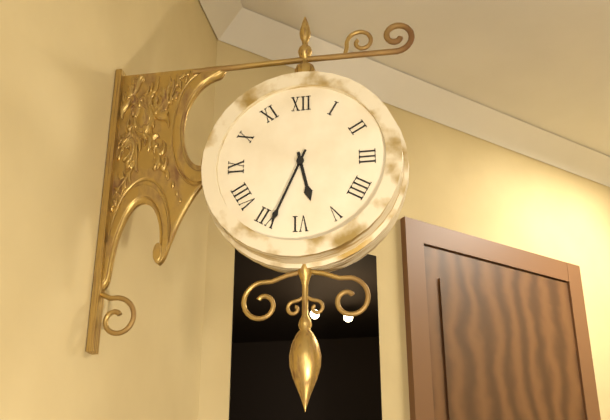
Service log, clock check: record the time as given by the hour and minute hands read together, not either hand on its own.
5:34
